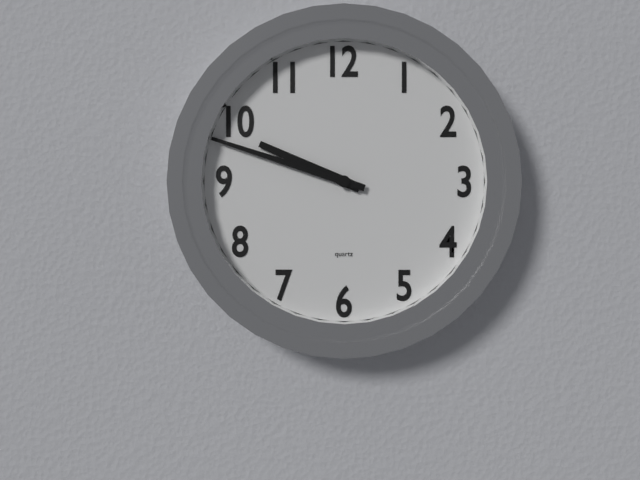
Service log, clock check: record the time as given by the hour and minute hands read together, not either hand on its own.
9:48
